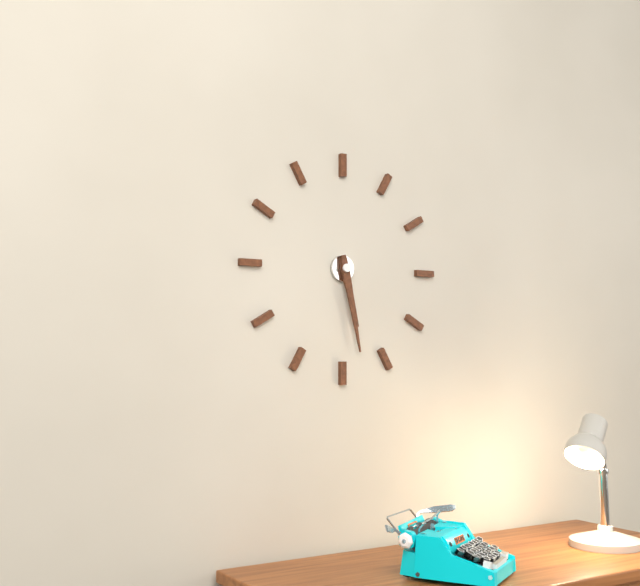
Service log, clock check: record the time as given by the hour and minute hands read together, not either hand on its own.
5:28
